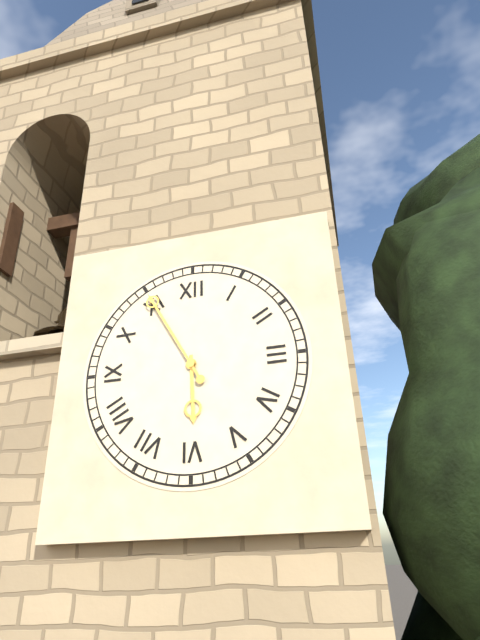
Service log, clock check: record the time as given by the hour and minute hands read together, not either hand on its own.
5:55
